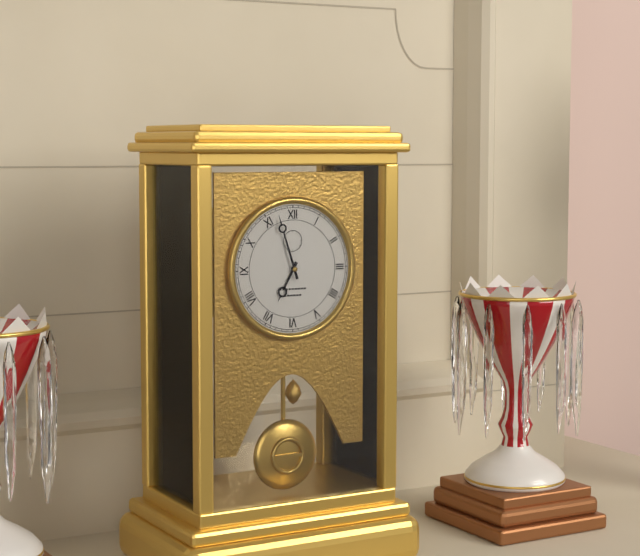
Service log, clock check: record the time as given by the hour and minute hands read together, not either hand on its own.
6:57
